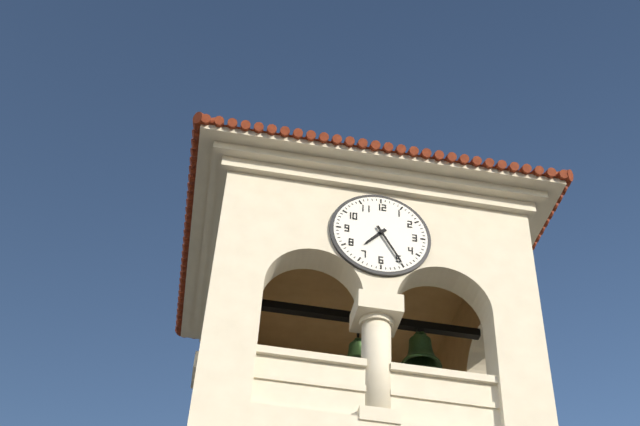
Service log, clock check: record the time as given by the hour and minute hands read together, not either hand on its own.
7:25
